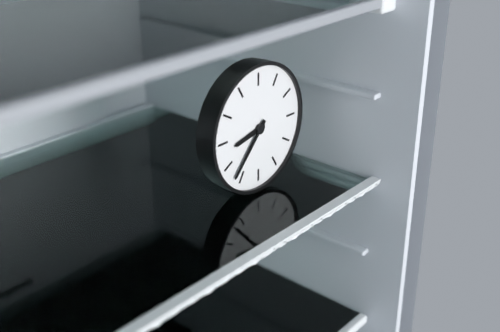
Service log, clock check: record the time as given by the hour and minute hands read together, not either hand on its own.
8:37
